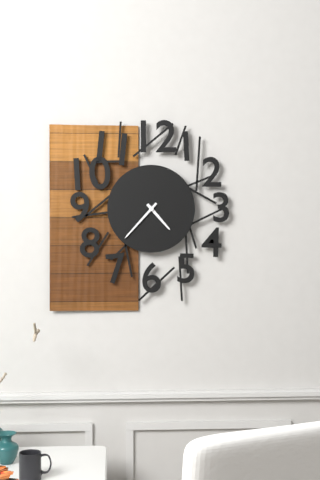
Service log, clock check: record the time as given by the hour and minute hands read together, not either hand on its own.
4:37
